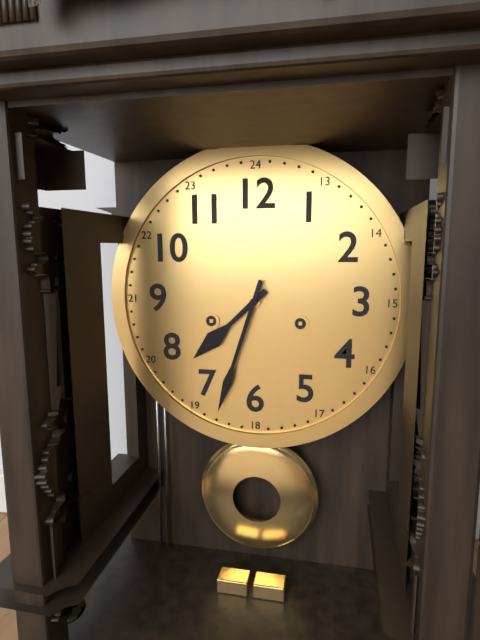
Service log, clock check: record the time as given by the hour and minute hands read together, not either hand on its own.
7:33
